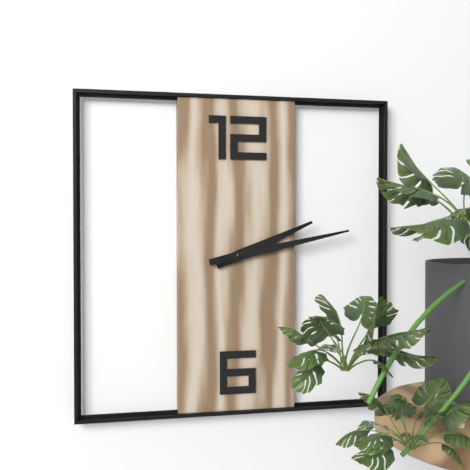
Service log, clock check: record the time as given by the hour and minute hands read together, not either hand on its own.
2:13
